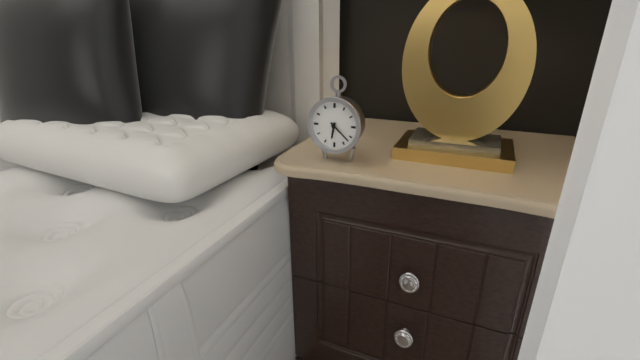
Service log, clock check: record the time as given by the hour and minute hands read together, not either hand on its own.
6:22
